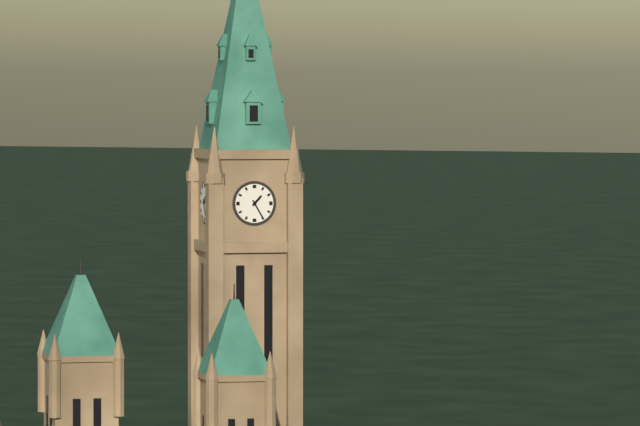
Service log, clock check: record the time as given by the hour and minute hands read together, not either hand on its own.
1:25
